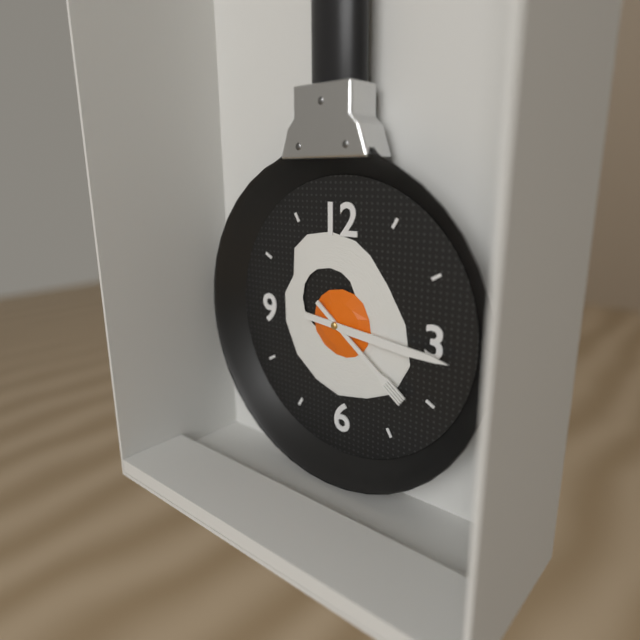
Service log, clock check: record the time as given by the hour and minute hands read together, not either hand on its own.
4:16
